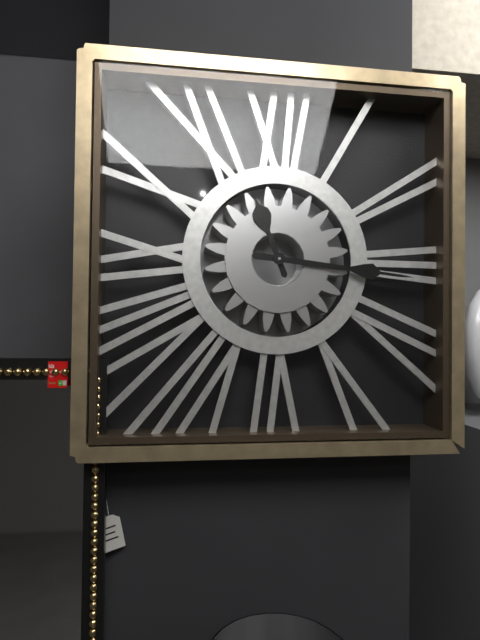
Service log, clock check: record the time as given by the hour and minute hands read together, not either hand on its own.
11:16
